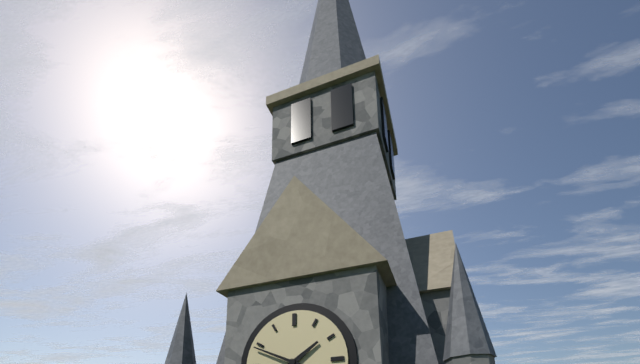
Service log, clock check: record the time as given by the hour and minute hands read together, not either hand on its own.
1:49
